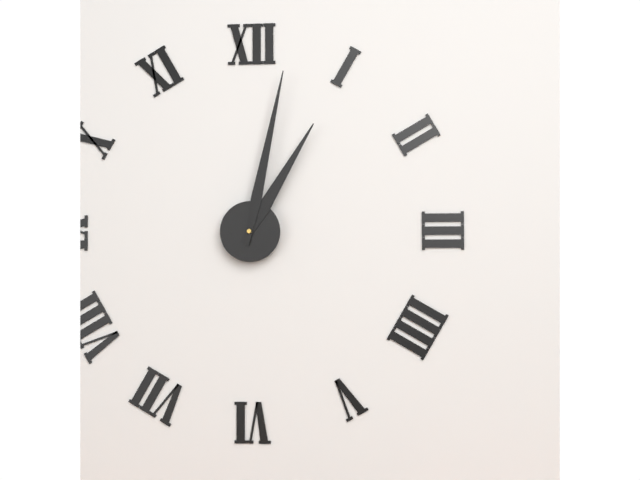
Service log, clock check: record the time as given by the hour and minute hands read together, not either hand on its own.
1:02
